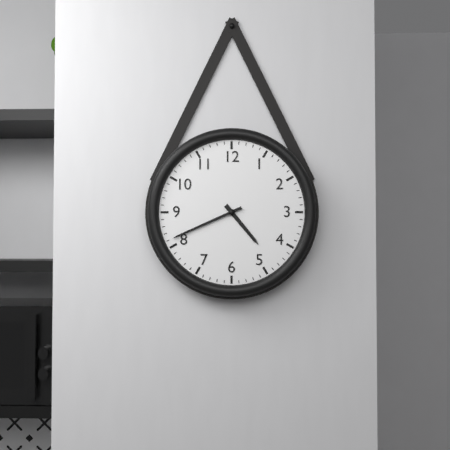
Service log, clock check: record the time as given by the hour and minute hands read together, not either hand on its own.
4:41
